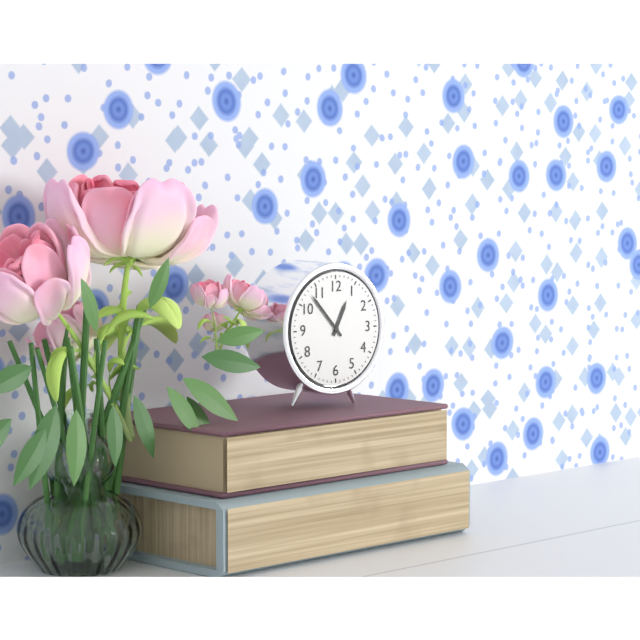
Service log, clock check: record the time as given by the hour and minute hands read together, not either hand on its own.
12:53
